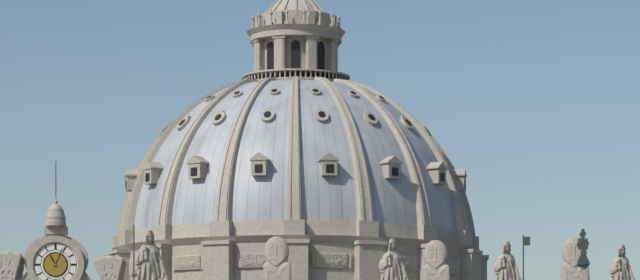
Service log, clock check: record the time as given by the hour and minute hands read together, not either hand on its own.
11:04
